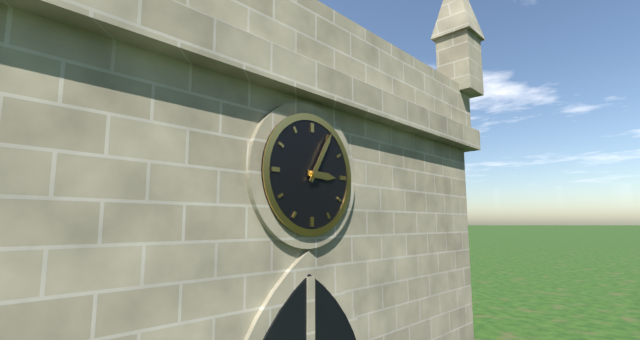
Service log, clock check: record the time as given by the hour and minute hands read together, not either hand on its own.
3:05
